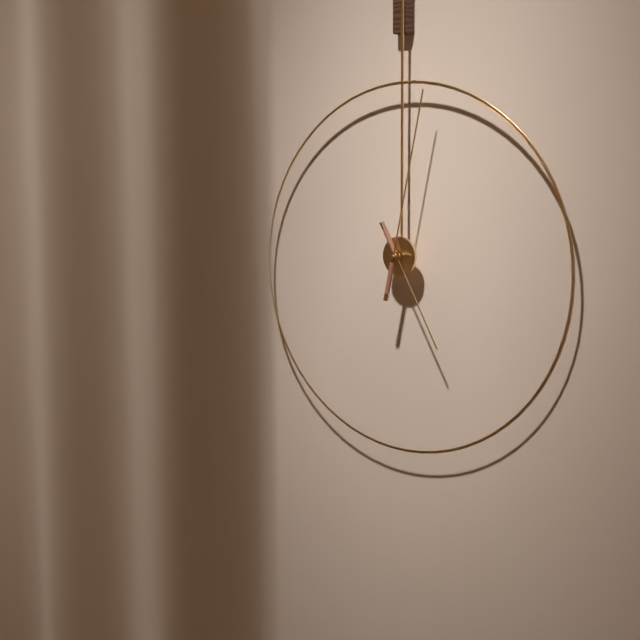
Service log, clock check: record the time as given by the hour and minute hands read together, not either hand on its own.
5:02
